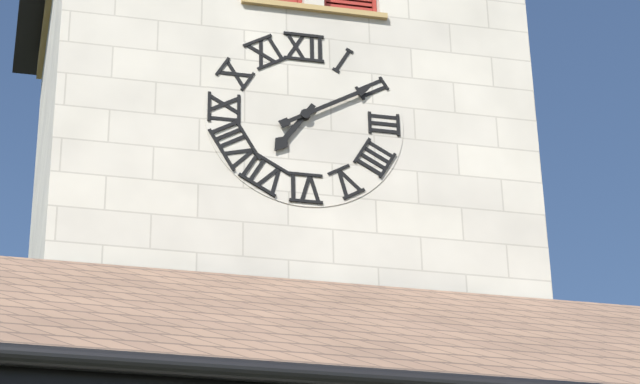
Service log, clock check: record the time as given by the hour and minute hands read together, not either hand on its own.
7:10
